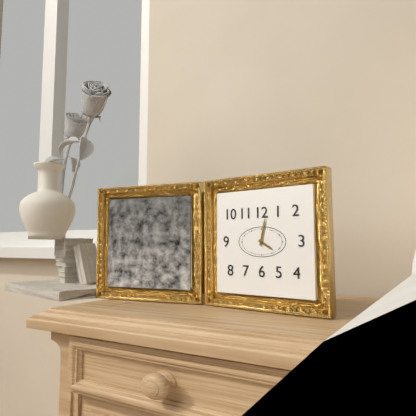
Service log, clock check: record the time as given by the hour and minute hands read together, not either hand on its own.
4:02
